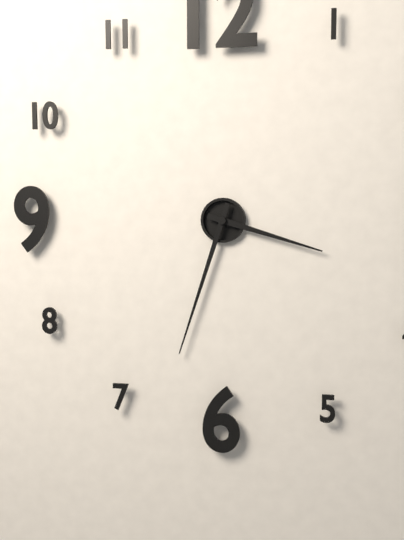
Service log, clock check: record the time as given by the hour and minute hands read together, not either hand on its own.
3:33
